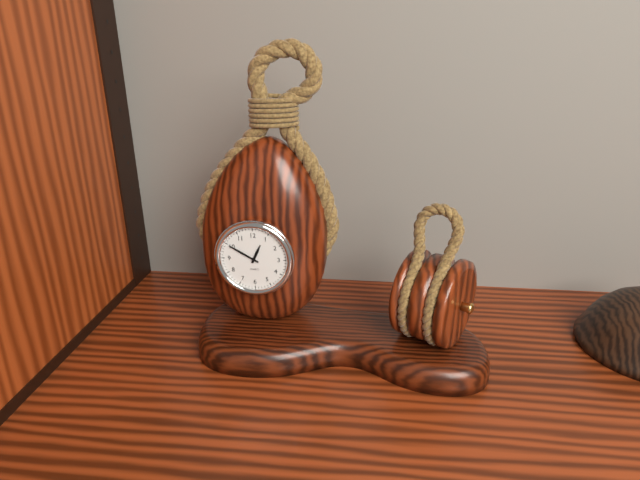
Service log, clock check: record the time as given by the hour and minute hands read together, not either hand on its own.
12:50
